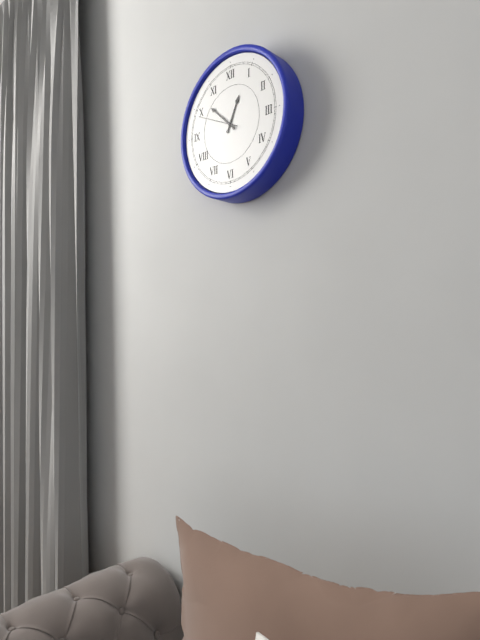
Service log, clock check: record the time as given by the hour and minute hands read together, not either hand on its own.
12:52
